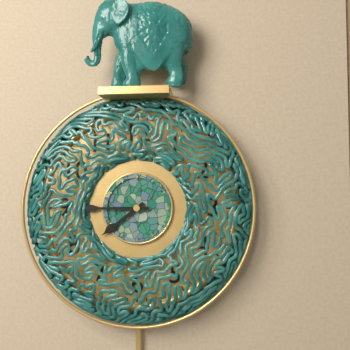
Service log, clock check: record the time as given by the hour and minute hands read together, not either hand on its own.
7:45
